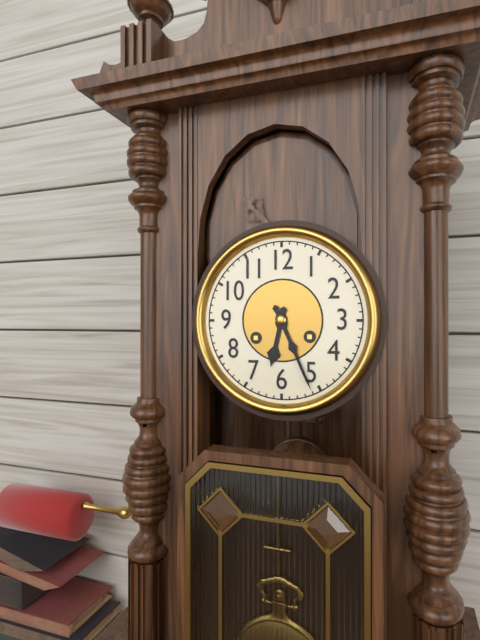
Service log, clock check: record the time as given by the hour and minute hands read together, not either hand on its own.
6:26
